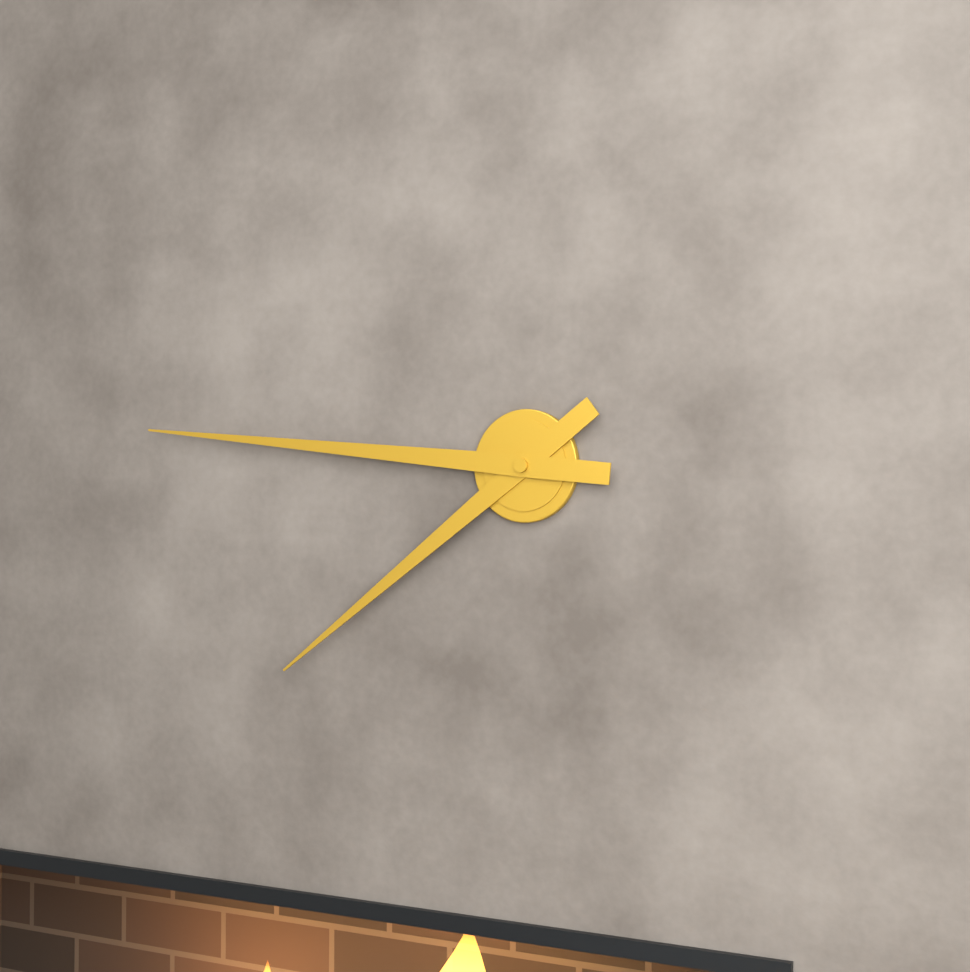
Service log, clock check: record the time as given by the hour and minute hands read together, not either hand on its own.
7:46
